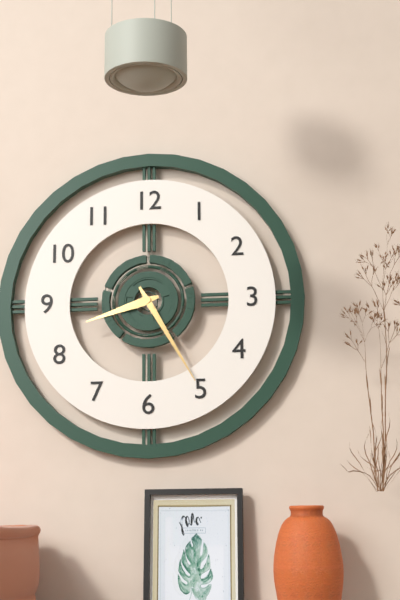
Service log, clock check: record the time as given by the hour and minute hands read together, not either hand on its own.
8:25
